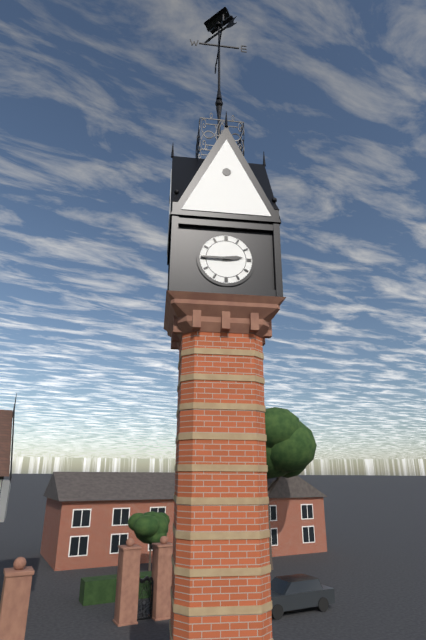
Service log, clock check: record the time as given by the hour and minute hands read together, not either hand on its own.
2:45
